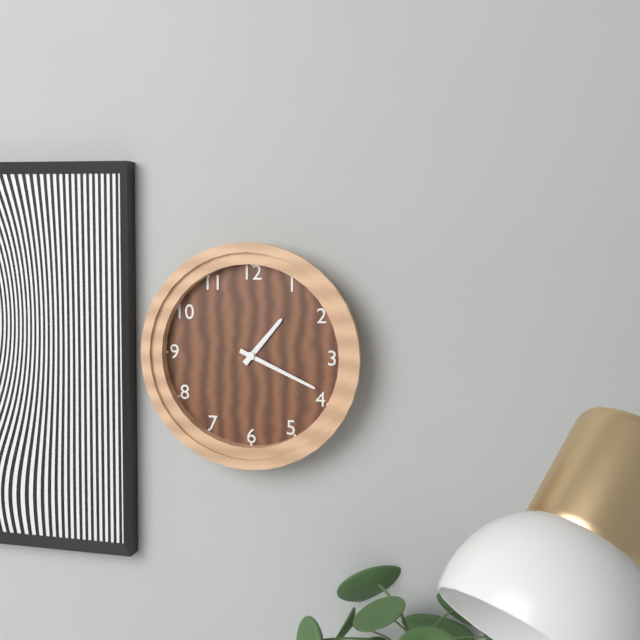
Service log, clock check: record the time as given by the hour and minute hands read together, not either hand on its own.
1:19
